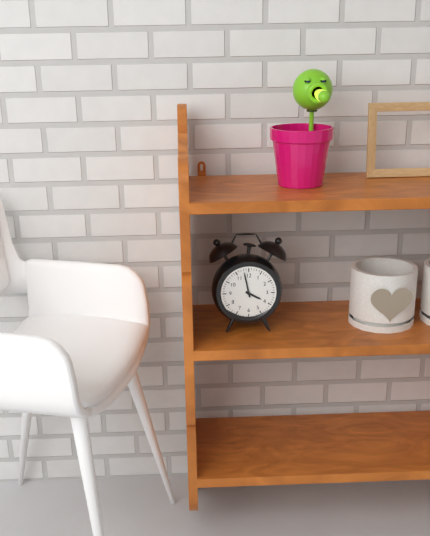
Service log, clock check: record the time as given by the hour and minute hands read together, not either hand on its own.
3:58
